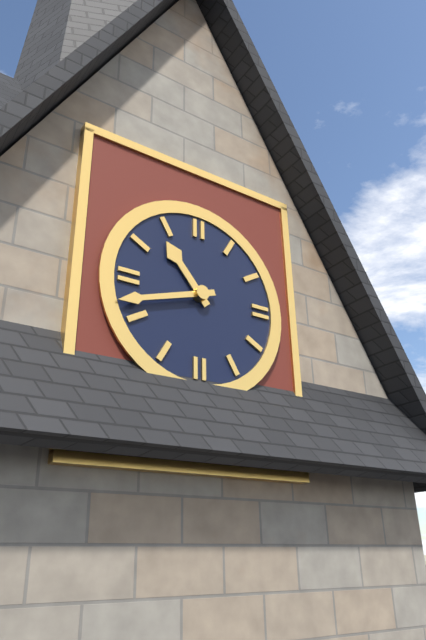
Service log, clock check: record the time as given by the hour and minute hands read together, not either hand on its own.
10:42
